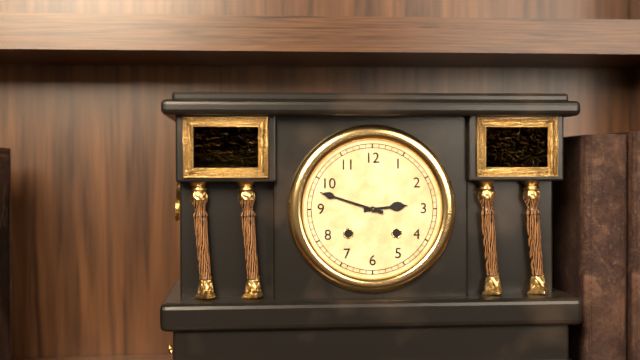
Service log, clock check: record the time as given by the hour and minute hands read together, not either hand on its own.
2:48
